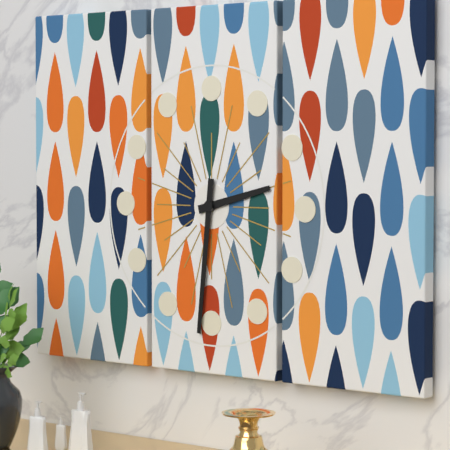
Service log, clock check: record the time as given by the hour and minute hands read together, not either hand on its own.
2:31
